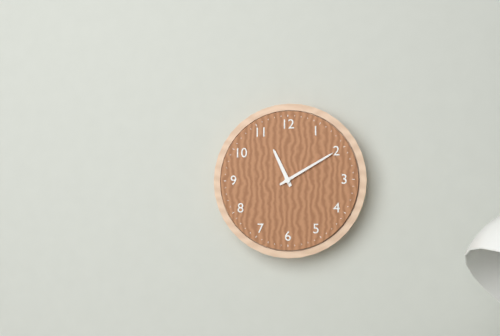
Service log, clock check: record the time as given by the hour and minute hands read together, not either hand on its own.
11:10
